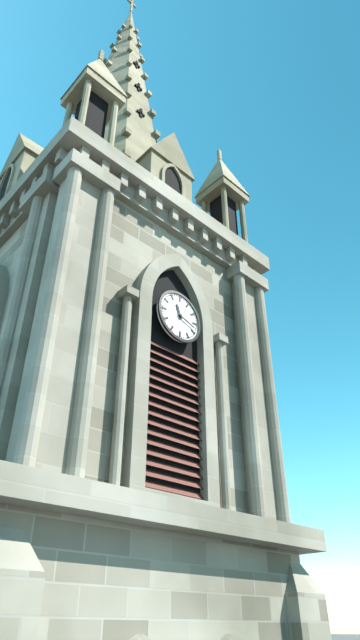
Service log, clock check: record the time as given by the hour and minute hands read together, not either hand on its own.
11:18
